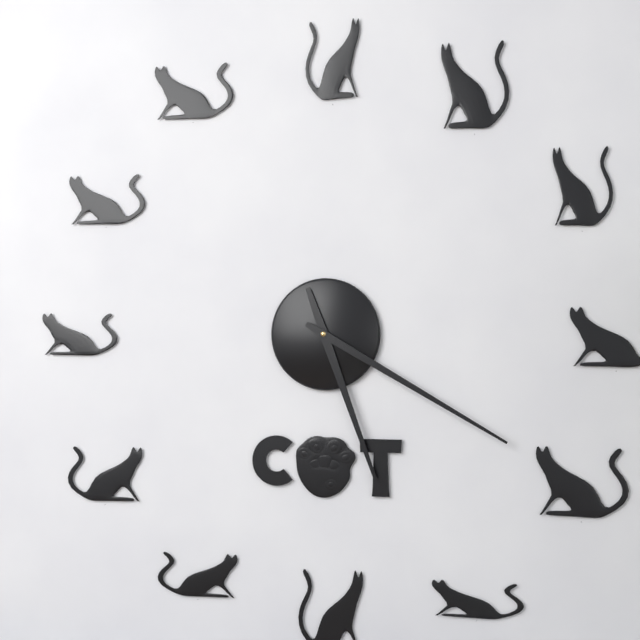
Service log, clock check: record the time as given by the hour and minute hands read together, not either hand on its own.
5:20
